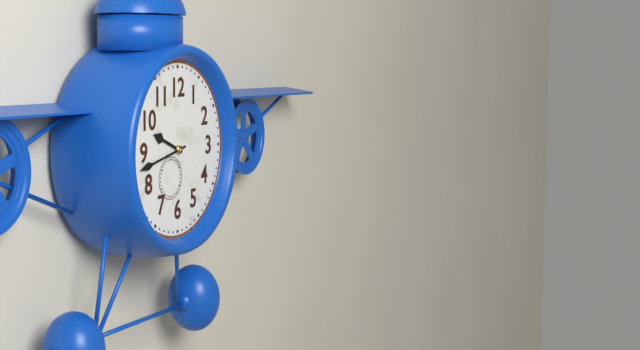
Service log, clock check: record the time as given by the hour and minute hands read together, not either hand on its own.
9:43
